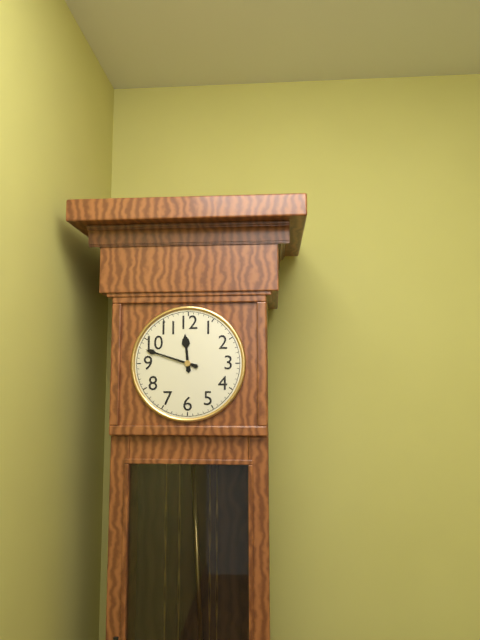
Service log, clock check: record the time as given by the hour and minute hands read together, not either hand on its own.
11:48
